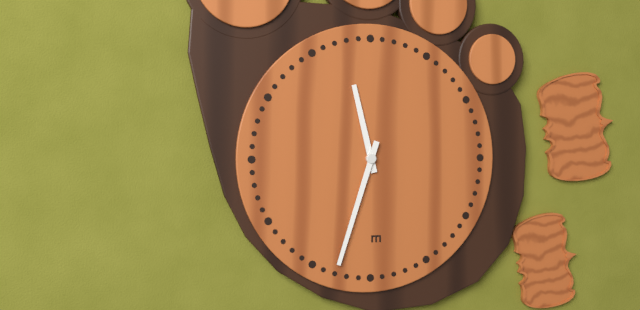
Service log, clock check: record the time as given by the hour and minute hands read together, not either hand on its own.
11:33
